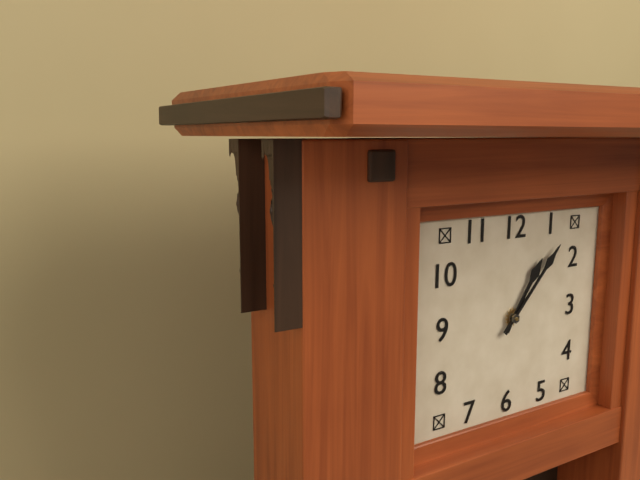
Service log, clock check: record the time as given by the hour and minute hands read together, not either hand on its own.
1:07
